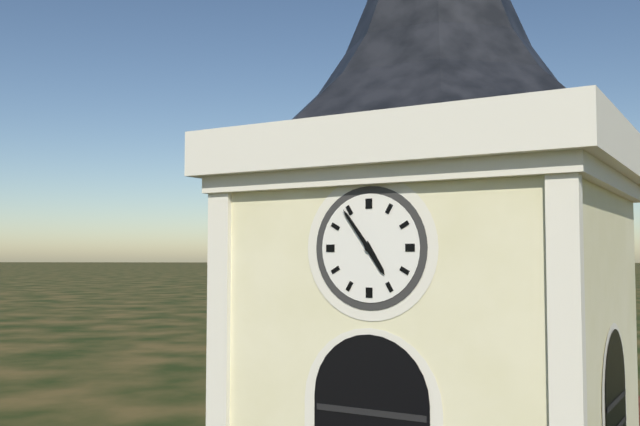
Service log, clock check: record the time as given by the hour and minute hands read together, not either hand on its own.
4:54
